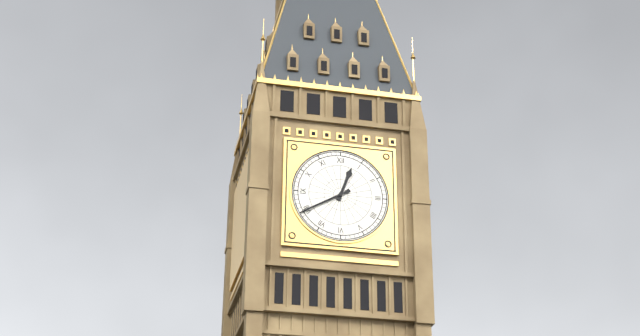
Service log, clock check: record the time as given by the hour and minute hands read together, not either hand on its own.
12:40
